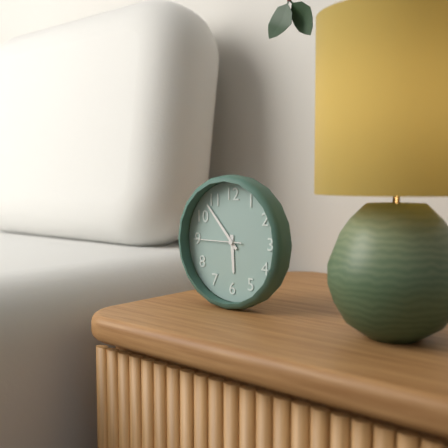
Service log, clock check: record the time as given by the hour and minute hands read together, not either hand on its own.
5:53
